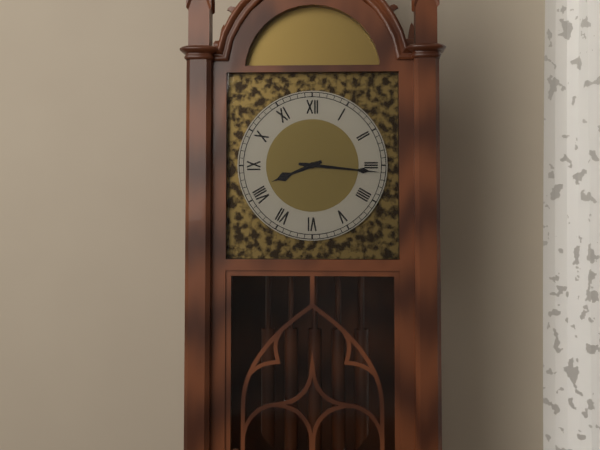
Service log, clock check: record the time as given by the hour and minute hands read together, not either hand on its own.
8:16
